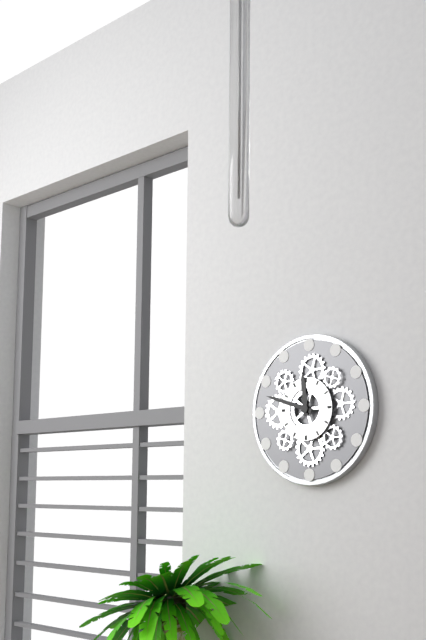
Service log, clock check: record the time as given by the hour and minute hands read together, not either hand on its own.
11:48
